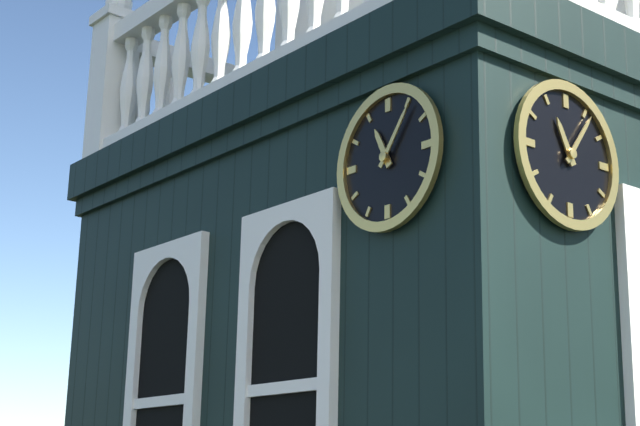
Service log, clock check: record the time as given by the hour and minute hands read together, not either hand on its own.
11:06
